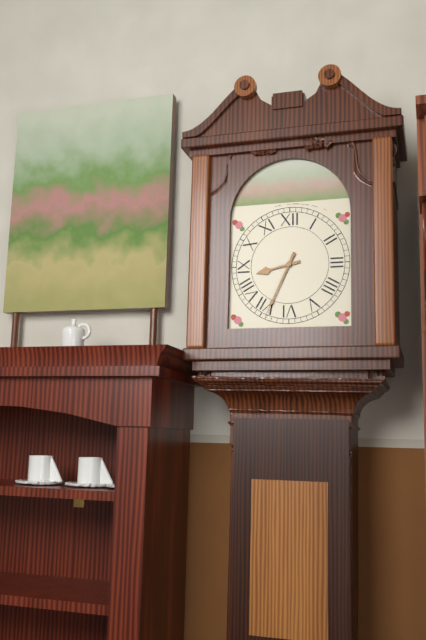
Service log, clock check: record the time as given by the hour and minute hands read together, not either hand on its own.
8:34
